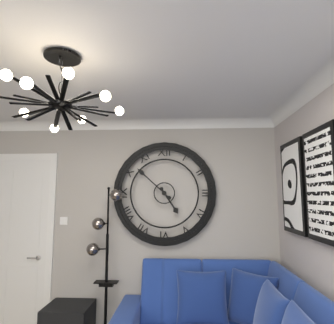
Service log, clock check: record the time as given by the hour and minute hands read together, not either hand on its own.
4:52
